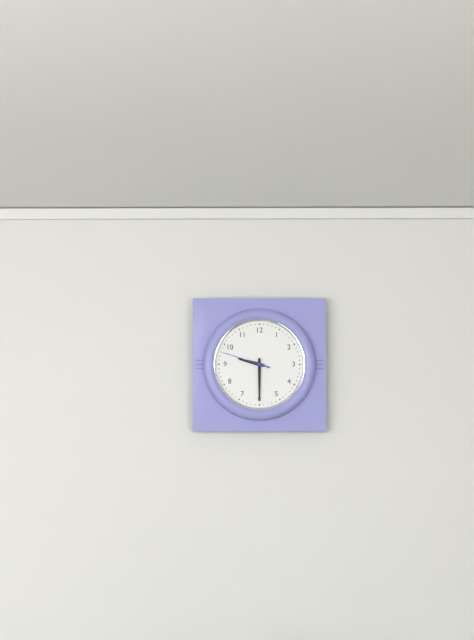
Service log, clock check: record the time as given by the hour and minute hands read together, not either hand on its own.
9:30
